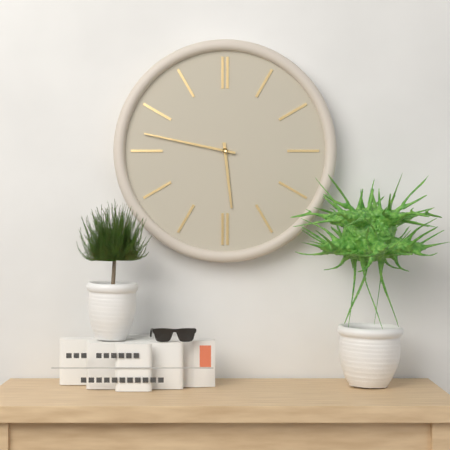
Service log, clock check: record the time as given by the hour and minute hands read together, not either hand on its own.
5:47
